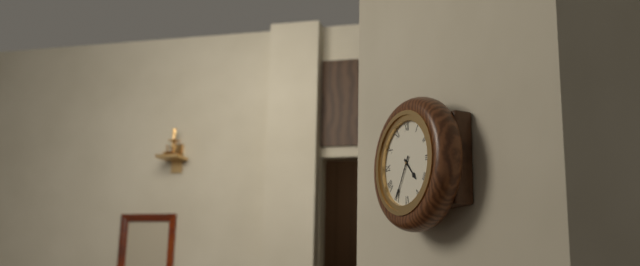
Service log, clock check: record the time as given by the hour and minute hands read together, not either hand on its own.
4:35
